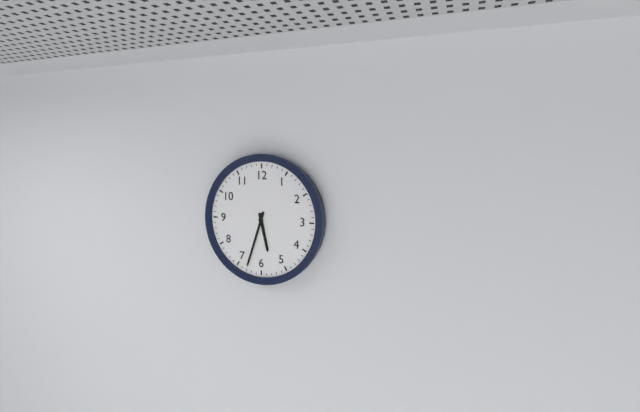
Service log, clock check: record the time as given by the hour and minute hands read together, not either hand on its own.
5:33
